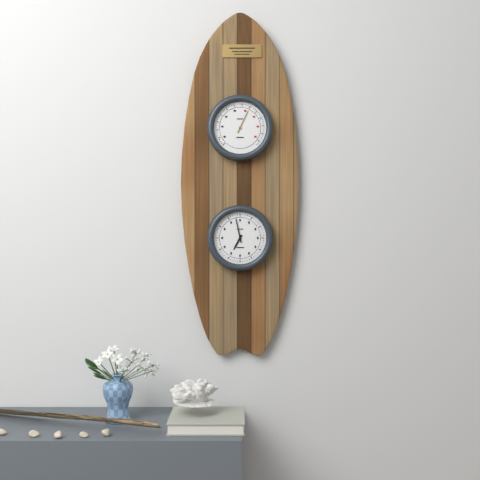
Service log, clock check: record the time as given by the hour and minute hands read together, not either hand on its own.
6:58
